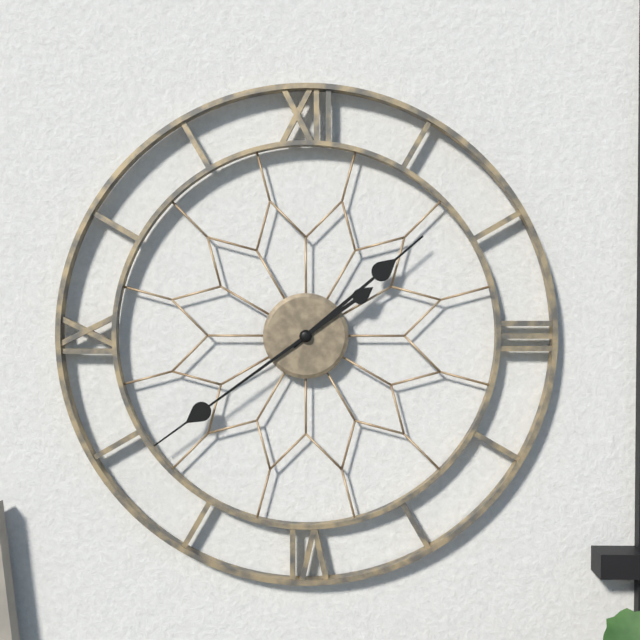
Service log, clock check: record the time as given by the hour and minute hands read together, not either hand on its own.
1:39
